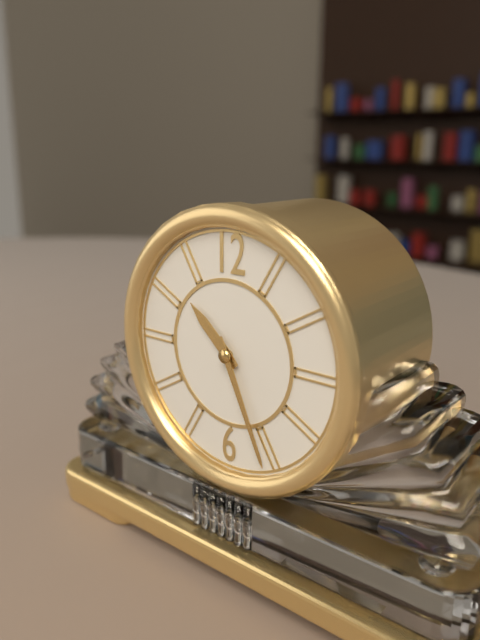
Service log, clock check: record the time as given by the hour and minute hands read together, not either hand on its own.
10:26
